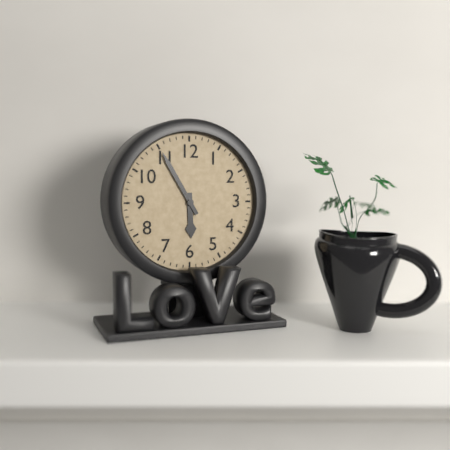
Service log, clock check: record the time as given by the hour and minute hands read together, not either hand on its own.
5:55
